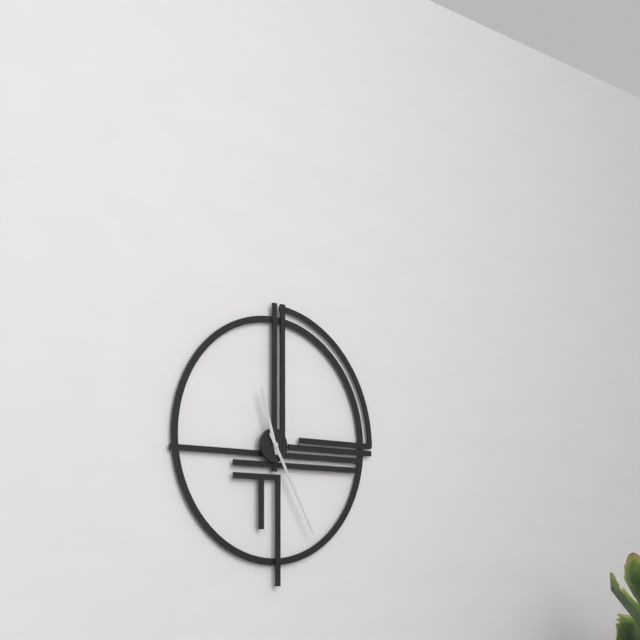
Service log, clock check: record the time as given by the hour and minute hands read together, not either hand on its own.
11:25
